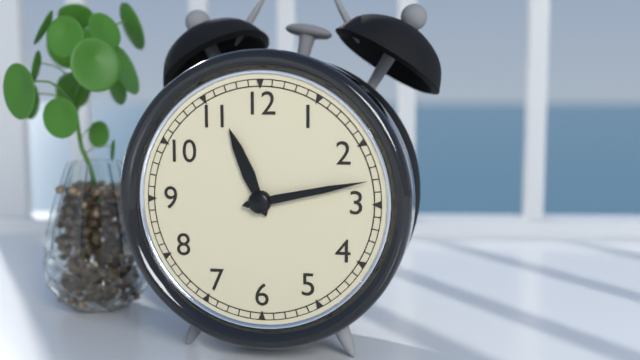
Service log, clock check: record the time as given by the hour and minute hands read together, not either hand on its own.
11:13
